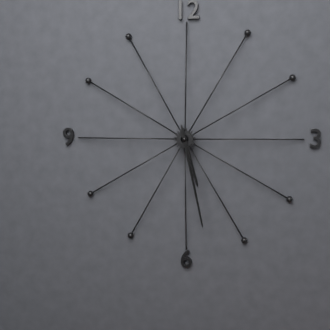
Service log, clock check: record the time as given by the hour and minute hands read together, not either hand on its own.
5:28
